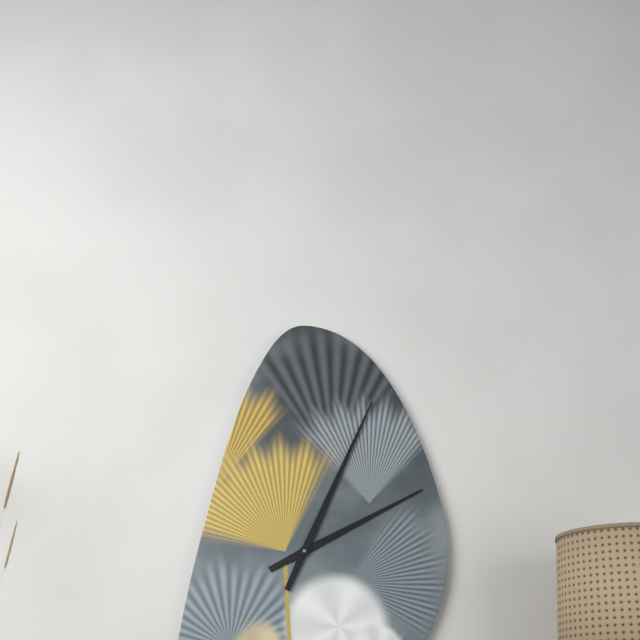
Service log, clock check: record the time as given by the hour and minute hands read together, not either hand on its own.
2:04
